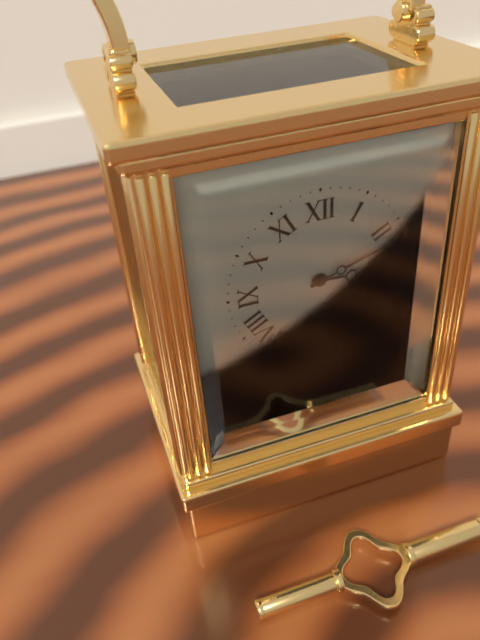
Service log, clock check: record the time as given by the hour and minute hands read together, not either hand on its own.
3:12
